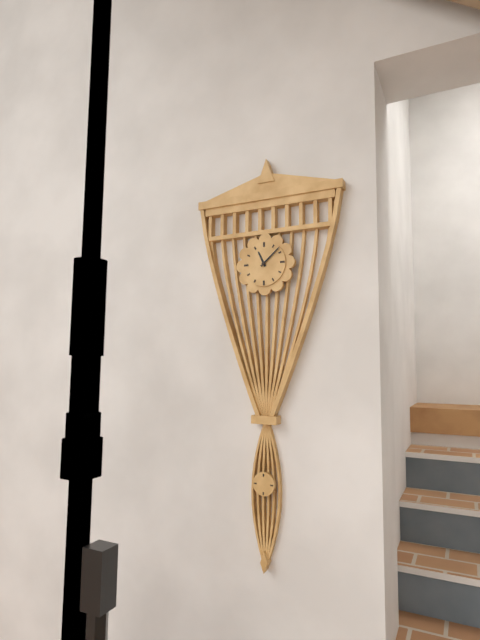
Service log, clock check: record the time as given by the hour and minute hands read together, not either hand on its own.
11:08
